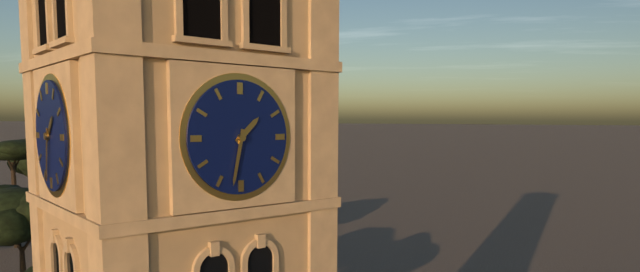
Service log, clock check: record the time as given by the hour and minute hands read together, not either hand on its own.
1:32
